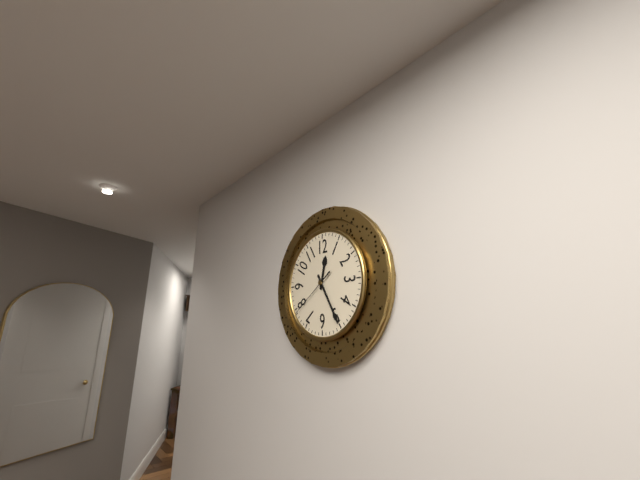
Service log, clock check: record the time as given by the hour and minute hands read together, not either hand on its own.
12:25
